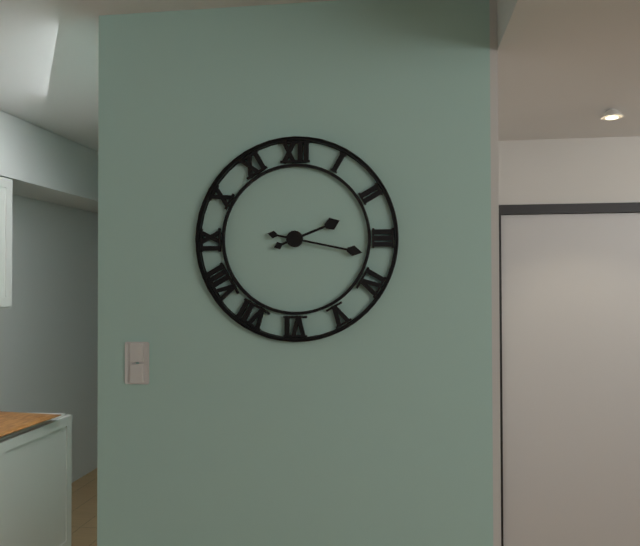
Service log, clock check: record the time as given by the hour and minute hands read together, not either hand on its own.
2:17
